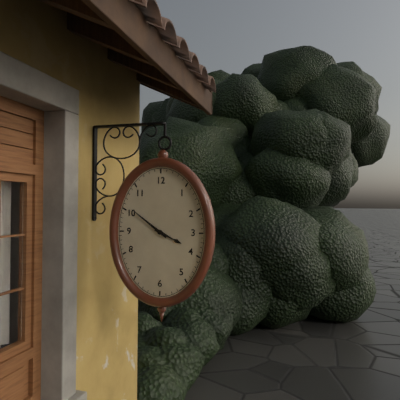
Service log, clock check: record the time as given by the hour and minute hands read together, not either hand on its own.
3:51
